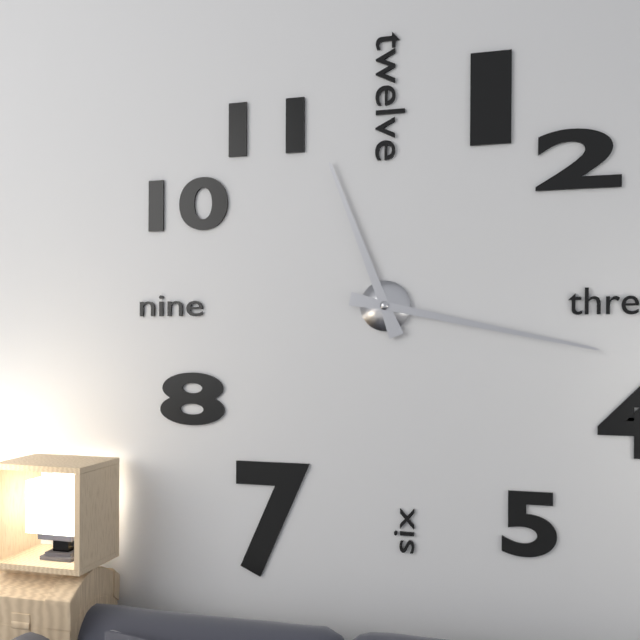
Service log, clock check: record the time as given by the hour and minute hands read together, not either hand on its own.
11:17
